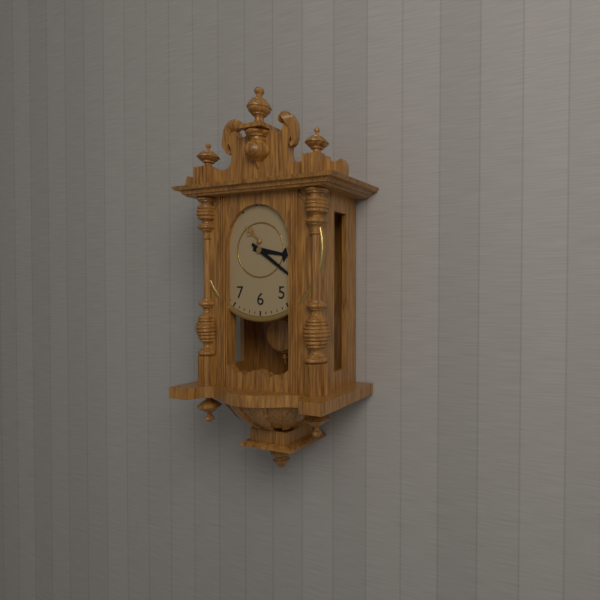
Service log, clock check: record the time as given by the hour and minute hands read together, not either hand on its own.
3:21
